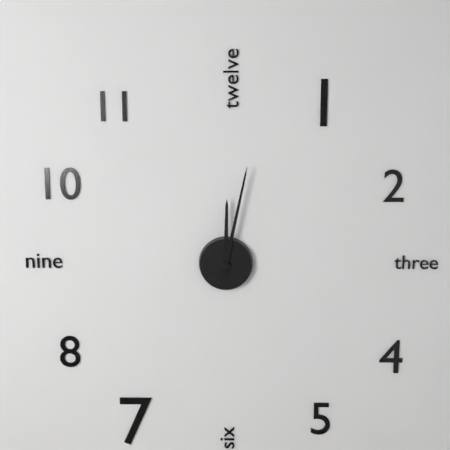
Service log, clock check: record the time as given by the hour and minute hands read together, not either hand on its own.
12:02
